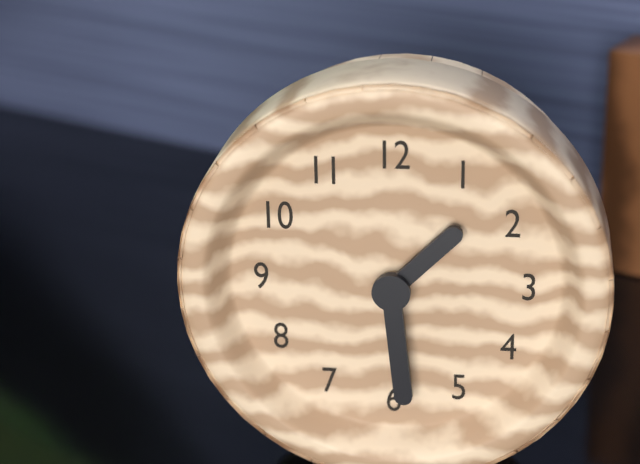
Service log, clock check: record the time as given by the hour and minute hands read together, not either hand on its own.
1:29
